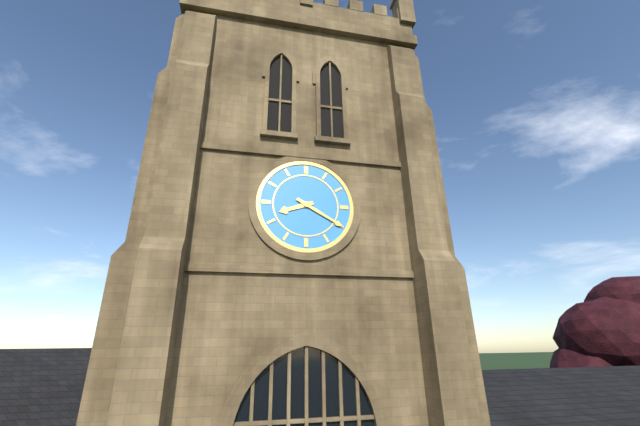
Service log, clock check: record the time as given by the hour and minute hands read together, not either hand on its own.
8:20
